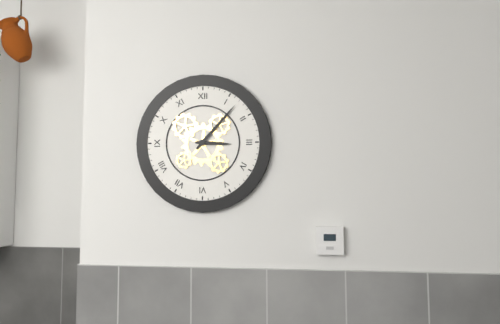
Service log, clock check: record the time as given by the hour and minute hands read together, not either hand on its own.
3:07
